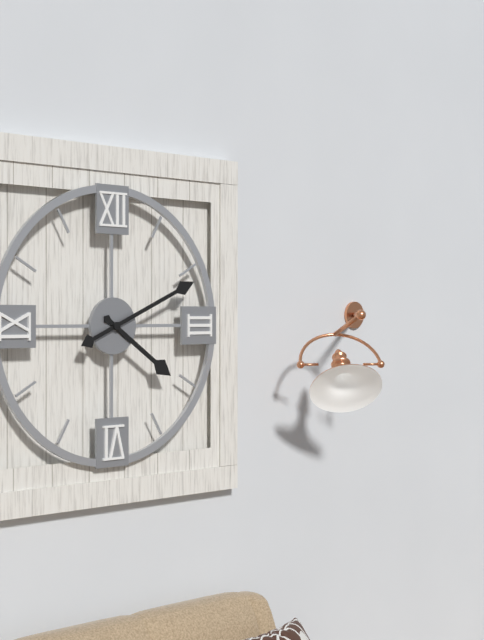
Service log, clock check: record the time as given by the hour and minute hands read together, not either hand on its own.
4:11
